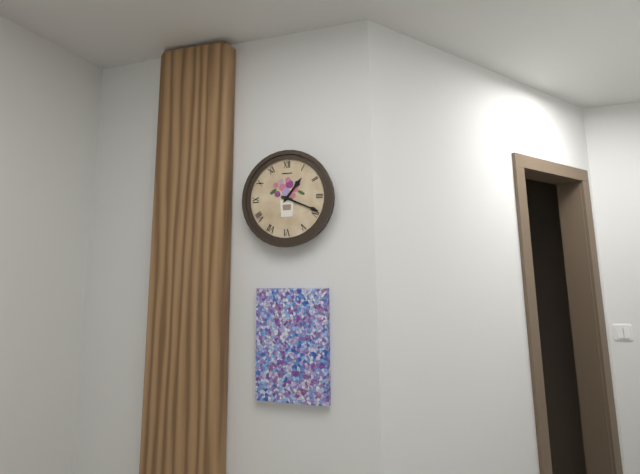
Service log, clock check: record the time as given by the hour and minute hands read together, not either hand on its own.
1:19
